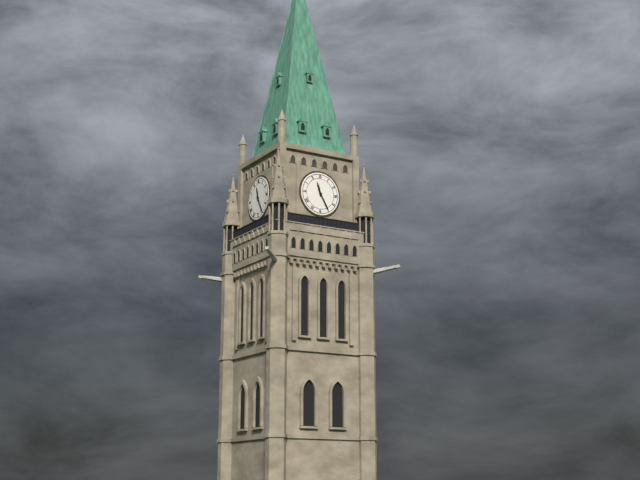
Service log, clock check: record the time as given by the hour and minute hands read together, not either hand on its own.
11:25
